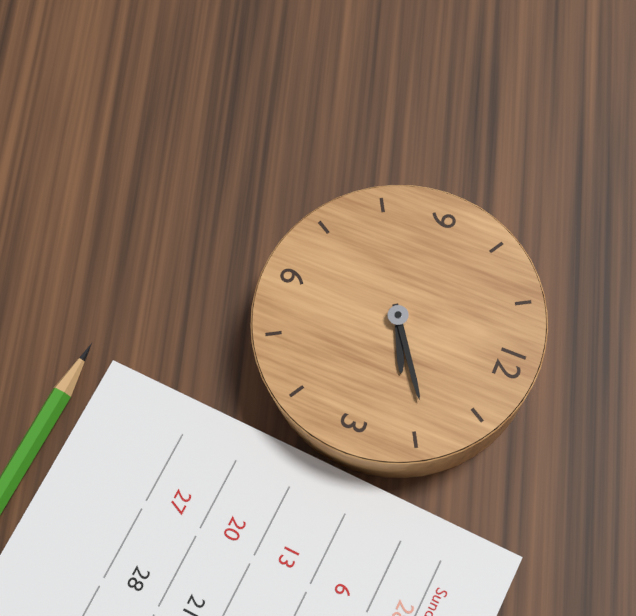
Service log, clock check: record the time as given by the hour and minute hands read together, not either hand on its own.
2:09
